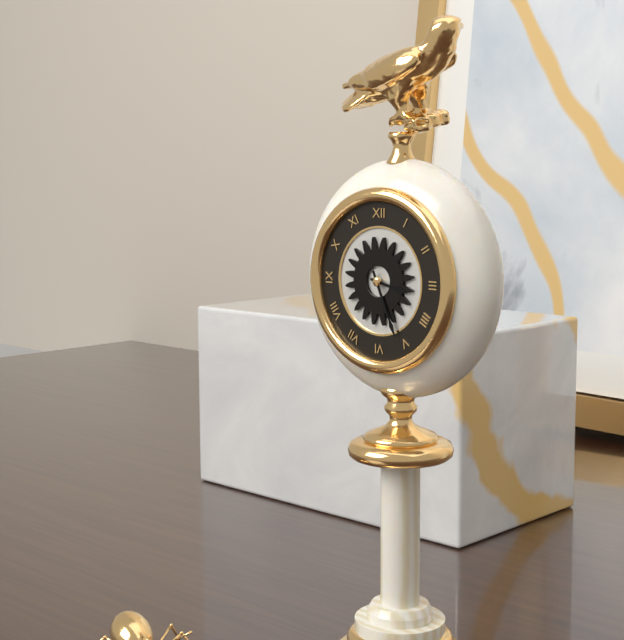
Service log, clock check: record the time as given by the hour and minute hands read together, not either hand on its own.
3:26
